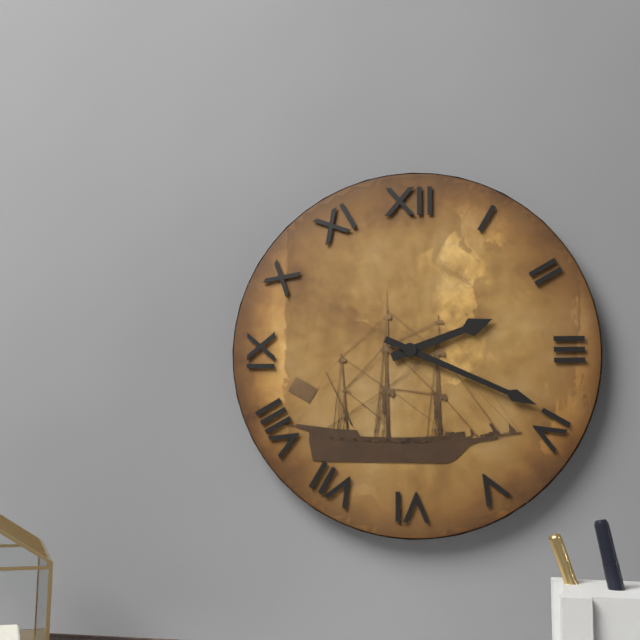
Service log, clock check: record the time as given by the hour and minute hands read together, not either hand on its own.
2:19
